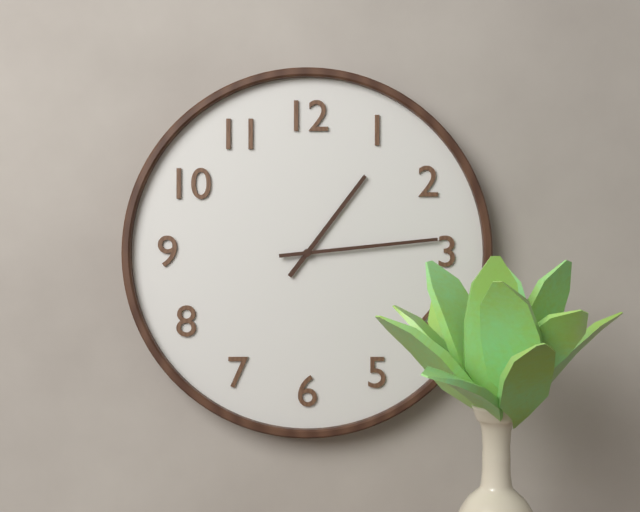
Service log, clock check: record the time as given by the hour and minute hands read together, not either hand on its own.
1:14
